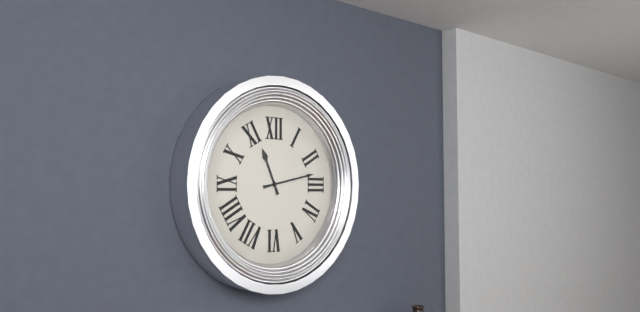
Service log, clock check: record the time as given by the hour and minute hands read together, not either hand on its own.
11:13
